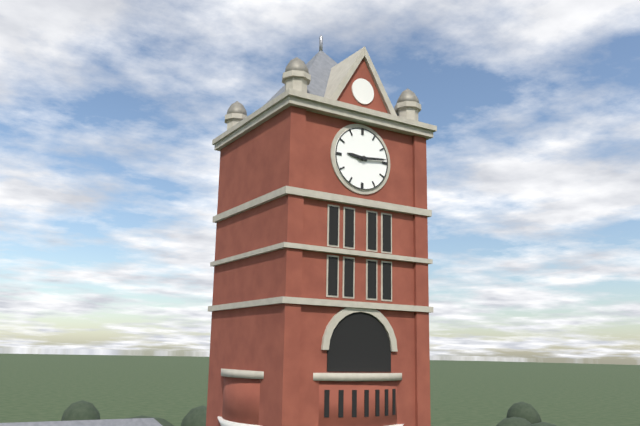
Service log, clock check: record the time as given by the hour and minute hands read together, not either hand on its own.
9:14
